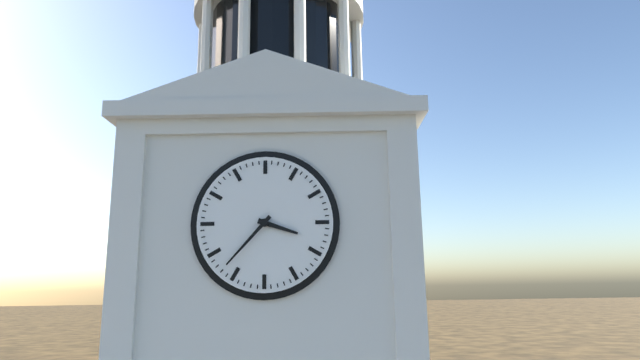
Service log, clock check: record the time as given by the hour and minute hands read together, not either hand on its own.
3:37
